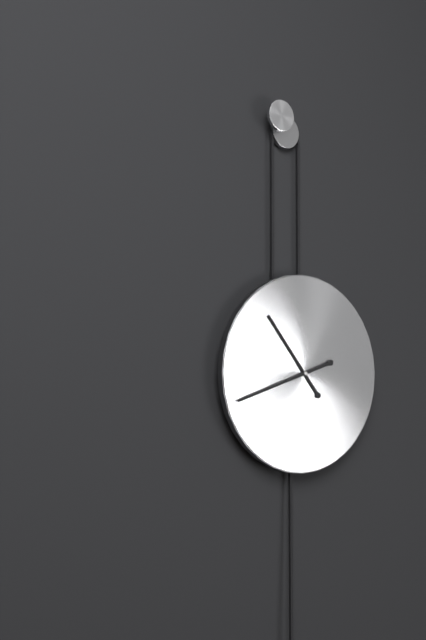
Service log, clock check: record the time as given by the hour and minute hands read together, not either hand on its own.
10:42
